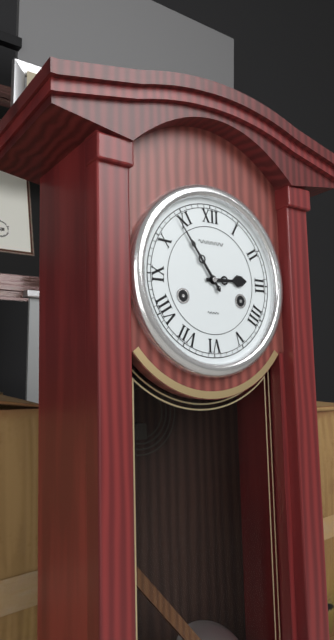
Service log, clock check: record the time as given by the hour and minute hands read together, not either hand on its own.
2:54
